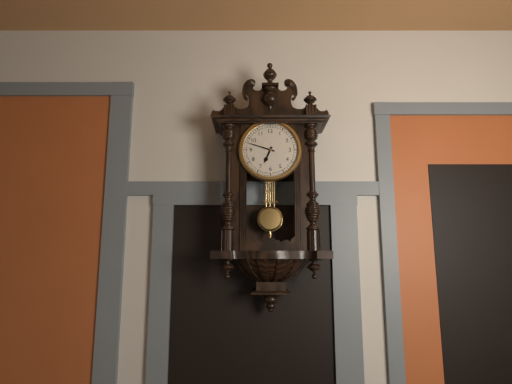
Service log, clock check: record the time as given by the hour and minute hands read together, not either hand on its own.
6:48
